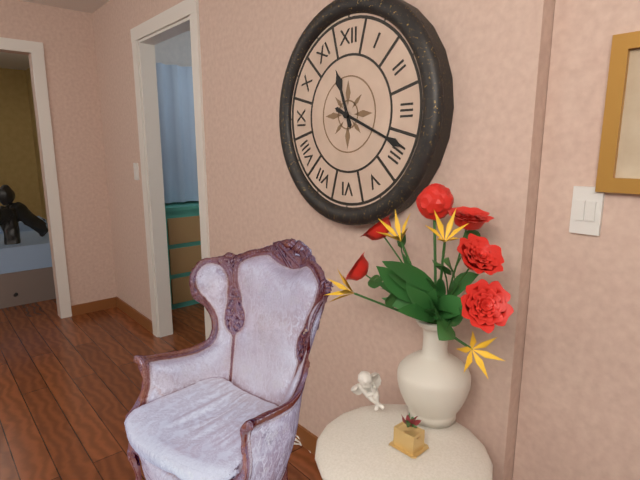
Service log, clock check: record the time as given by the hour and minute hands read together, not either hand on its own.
11:19
